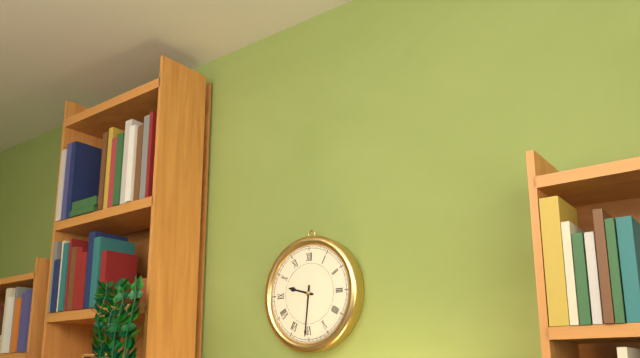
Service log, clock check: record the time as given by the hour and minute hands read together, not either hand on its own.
9:31
